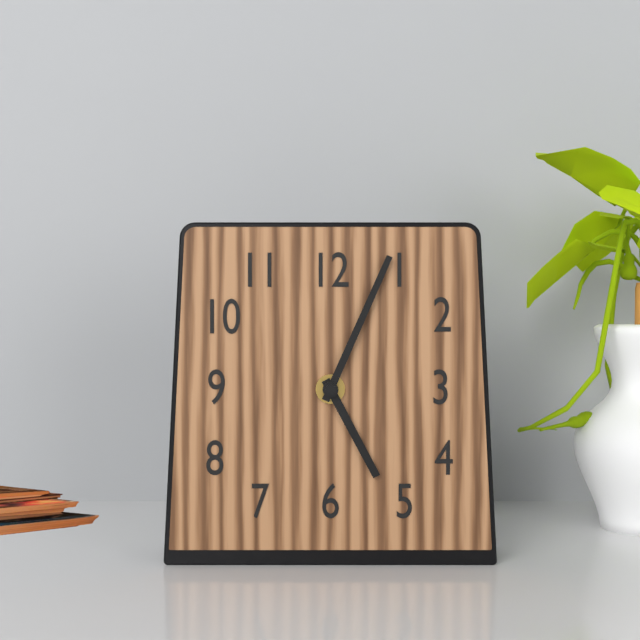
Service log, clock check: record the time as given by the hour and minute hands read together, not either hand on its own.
5:04
